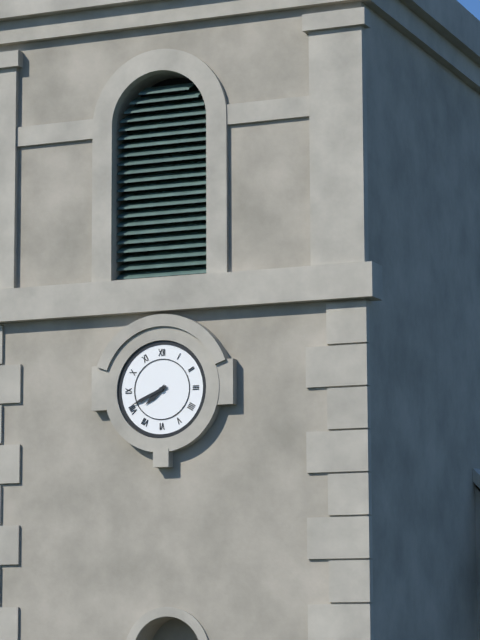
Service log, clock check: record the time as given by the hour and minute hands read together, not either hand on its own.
7:41
